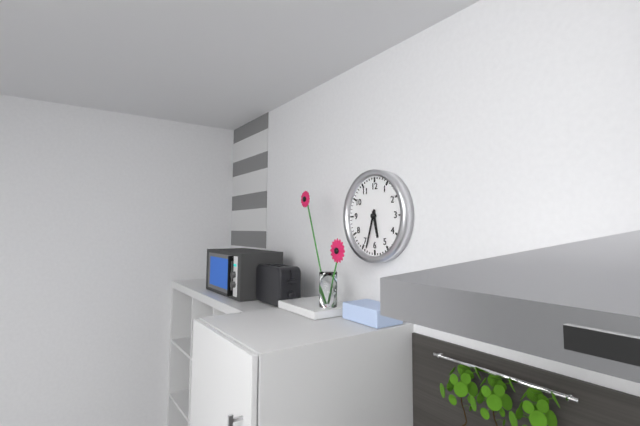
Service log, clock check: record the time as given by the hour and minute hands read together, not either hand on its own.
5:33
